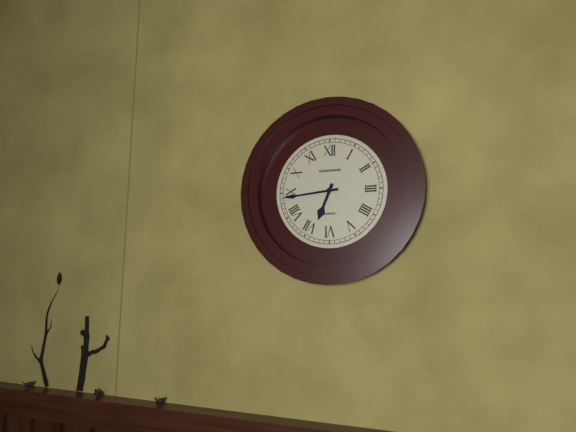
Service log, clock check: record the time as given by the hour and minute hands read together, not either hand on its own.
6:44
